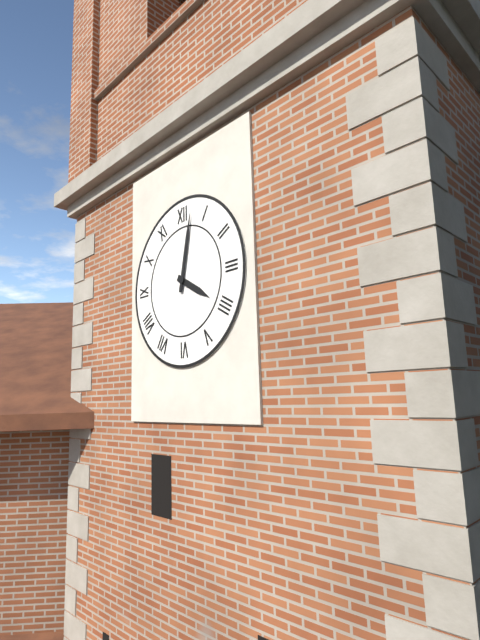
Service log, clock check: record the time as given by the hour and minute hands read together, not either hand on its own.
4:02
